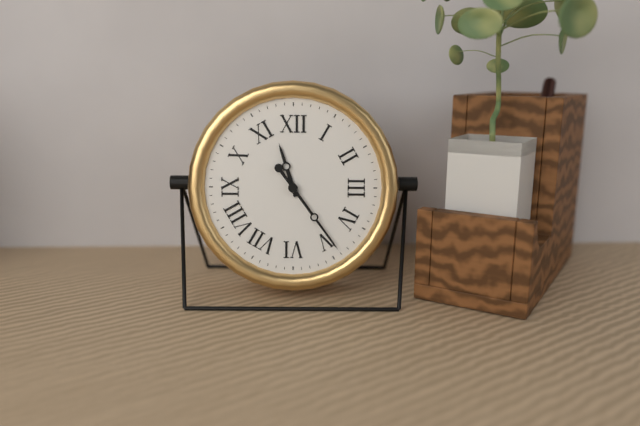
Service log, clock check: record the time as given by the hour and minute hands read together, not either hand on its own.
11:24
